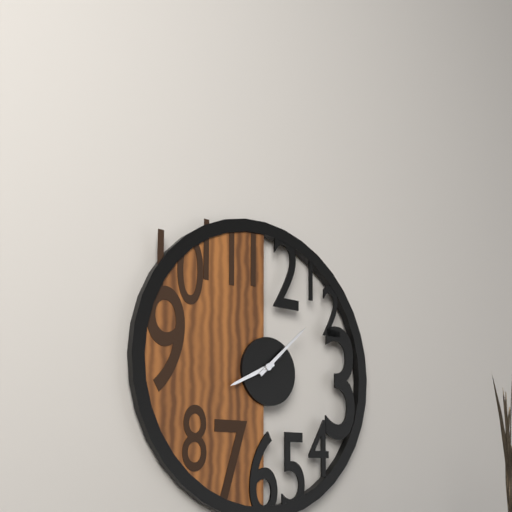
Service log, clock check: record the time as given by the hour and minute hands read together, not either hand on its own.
8:08
